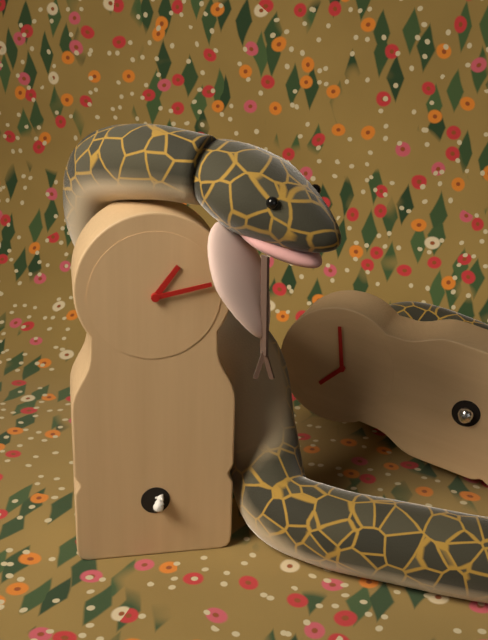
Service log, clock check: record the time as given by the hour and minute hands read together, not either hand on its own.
1:13
